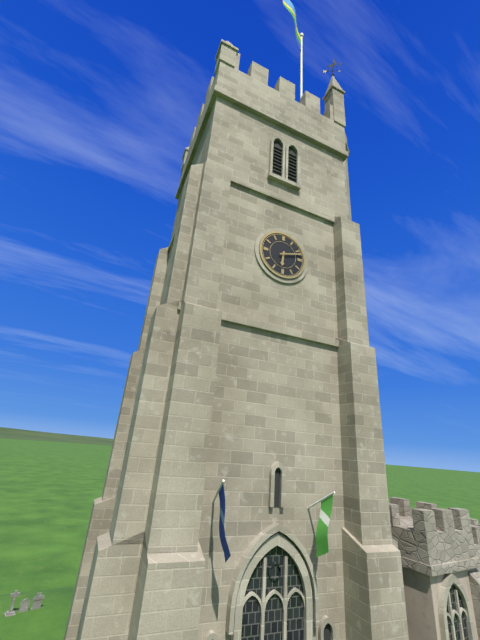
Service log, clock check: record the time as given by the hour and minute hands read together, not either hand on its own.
6:12
